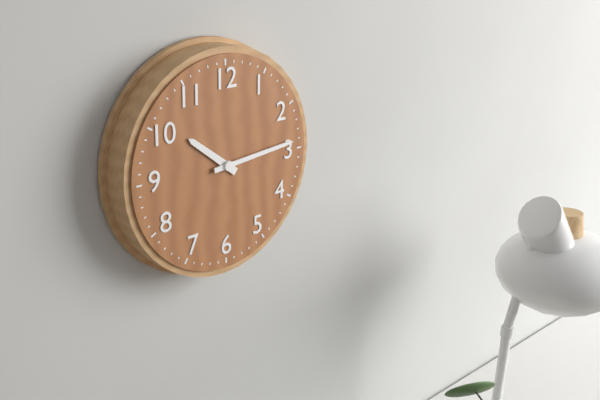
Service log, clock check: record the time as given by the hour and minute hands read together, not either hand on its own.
10:14
